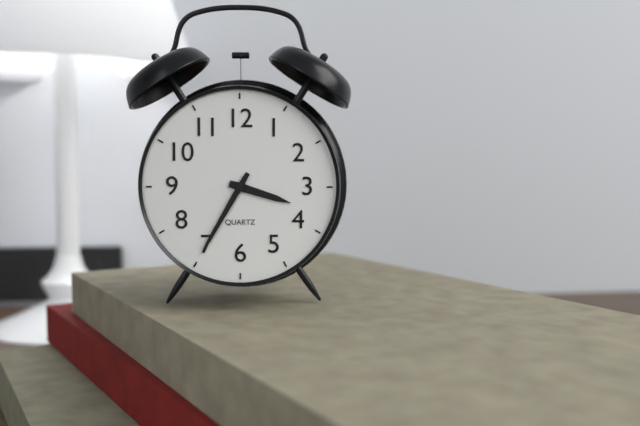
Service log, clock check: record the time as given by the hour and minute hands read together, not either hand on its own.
3:35
